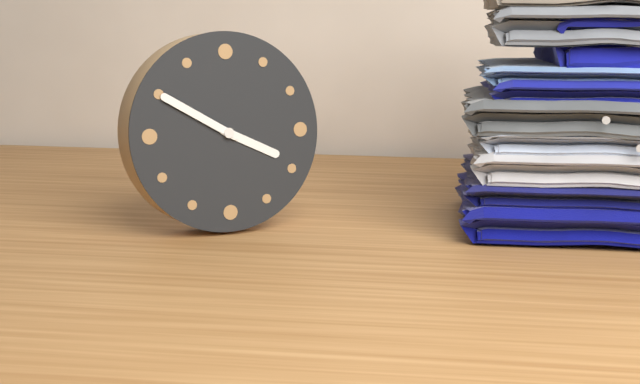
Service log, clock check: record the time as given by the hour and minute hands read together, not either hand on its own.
3:50
